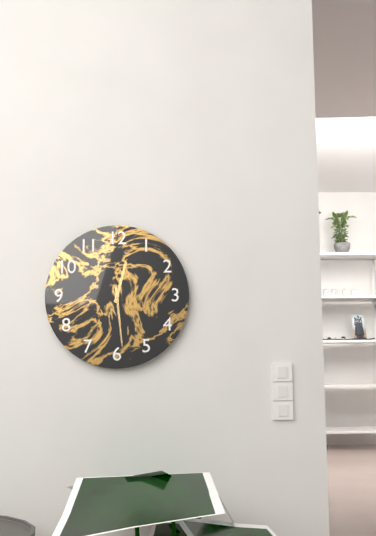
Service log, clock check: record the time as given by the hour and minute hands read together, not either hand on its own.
12:29
